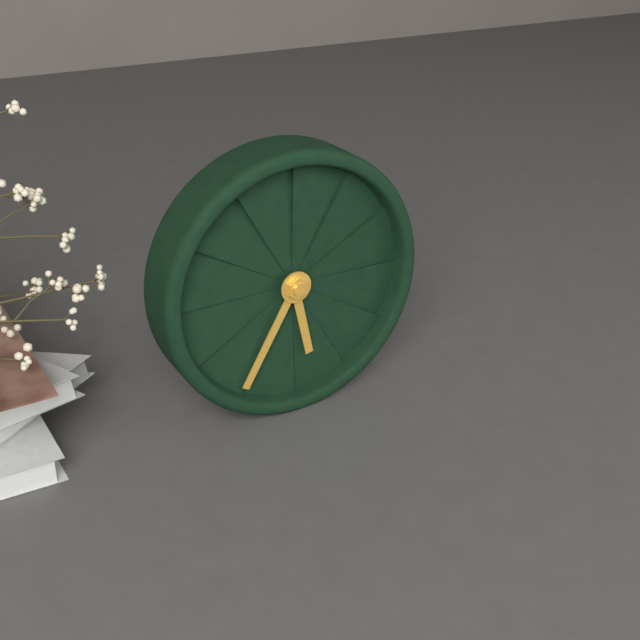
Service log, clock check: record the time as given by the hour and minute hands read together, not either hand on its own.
5:35
